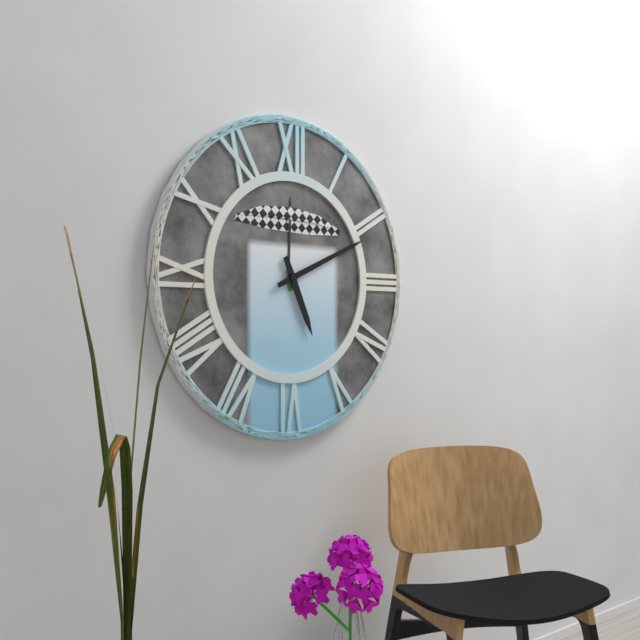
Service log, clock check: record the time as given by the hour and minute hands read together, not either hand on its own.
5:11
